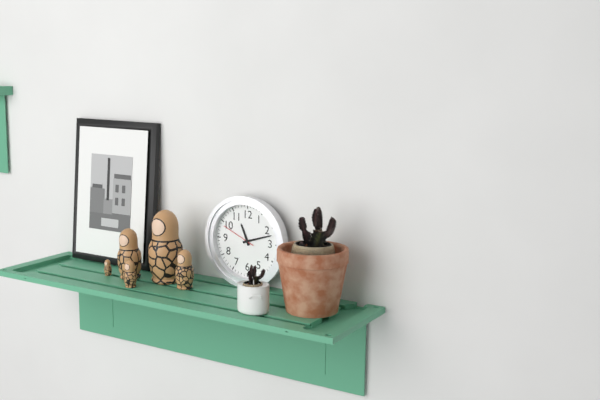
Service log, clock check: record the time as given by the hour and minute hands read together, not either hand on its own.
11:12
